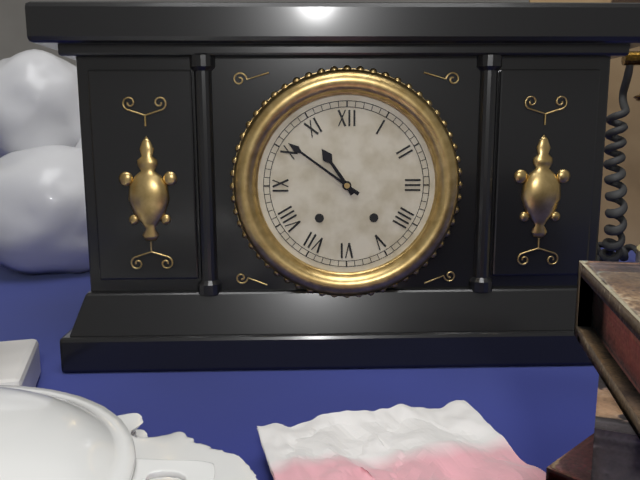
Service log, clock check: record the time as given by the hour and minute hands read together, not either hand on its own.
10:51
